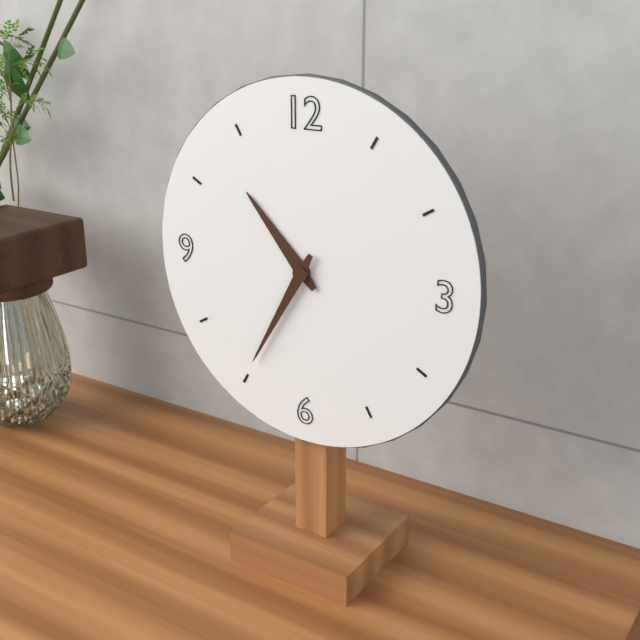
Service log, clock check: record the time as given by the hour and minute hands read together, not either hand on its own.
10:35
